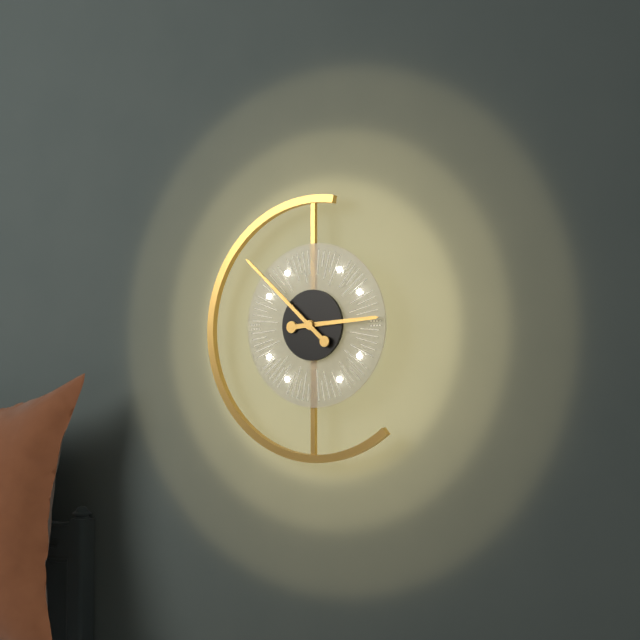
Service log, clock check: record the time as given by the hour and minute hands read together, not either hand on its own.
2:52
